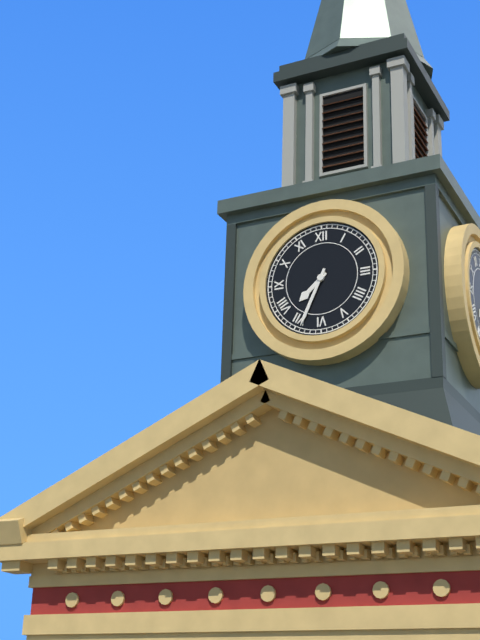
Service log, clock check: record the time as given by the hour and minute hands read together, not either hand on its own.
7:34
